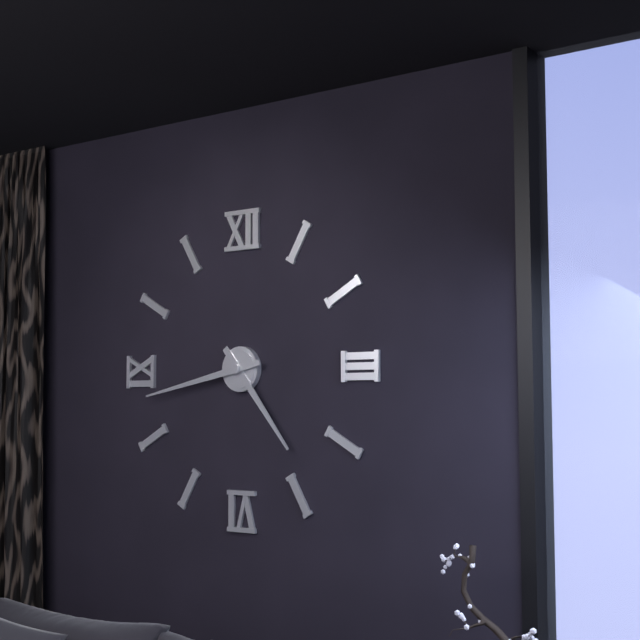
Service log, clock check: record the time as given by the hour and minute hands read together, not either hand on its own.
4:43
